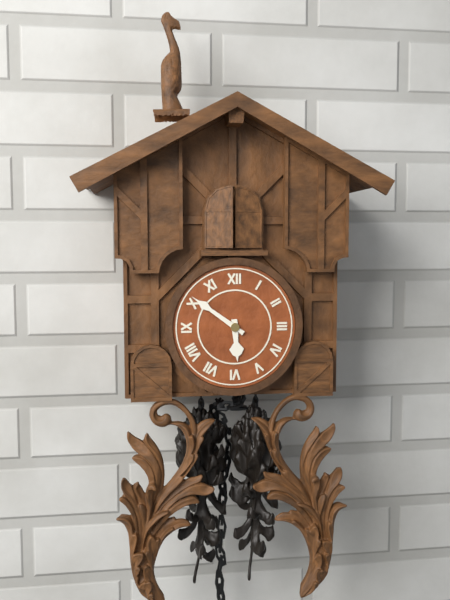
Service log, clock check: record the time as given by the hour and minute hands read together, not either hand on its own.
5:51
